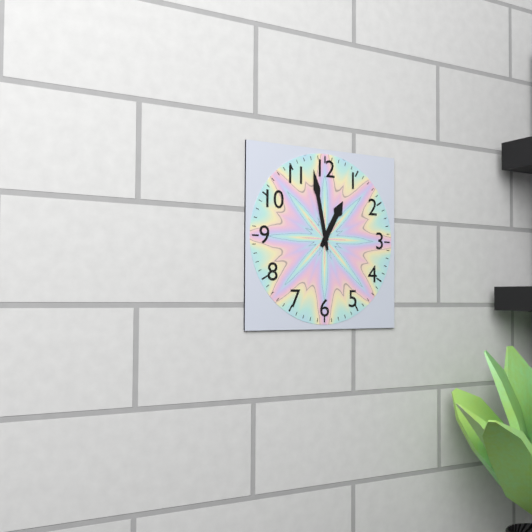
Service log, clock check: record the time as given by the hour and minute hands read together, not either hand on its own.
12:58
